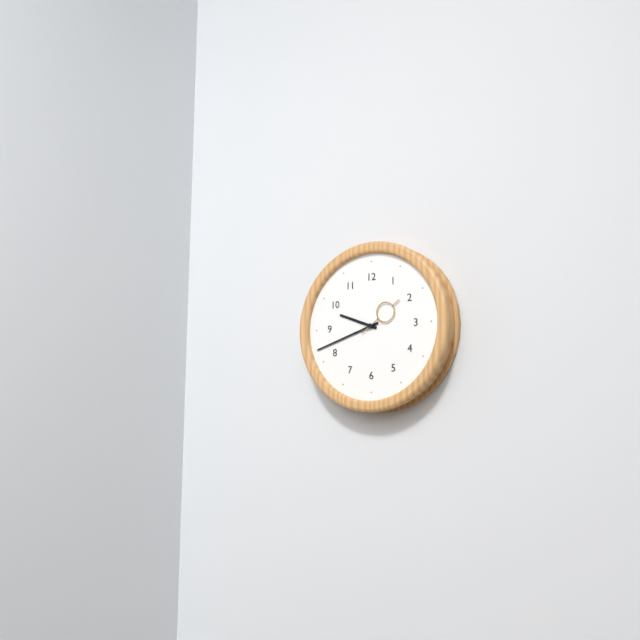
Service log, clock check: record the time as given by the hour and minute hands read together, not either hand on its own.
9:42
